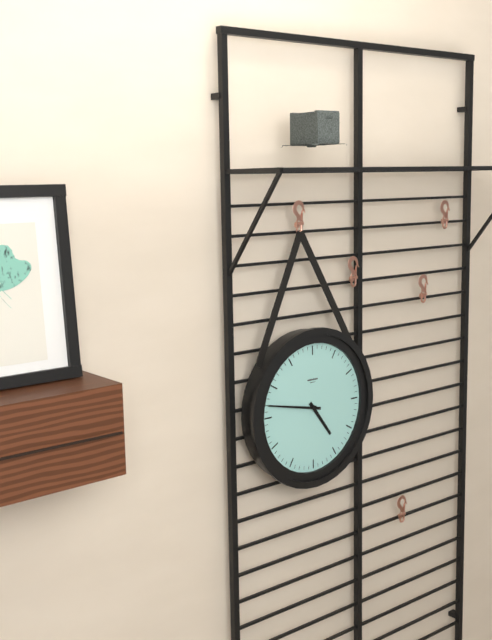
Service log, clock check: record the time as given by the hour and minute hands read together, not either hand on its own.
4:47
